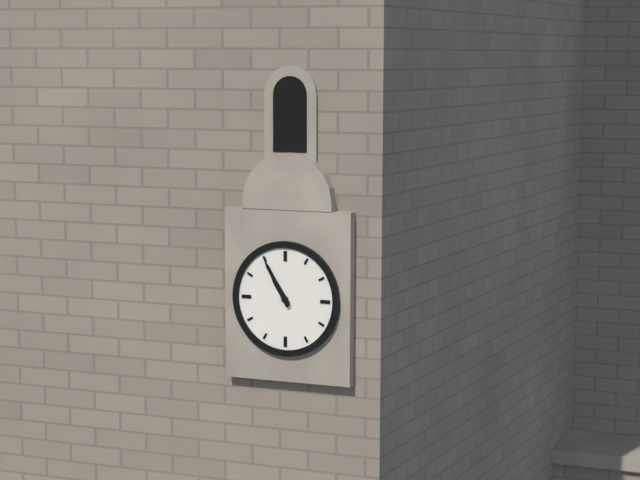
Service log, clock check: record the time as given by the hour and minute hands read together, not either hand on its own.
10:55
